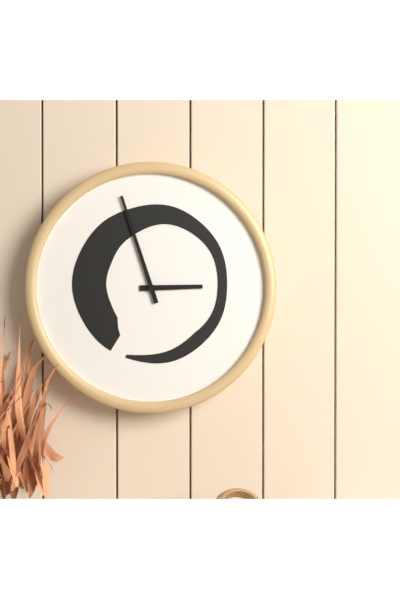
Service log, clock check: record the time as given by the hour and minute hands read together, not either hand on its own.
2:57
